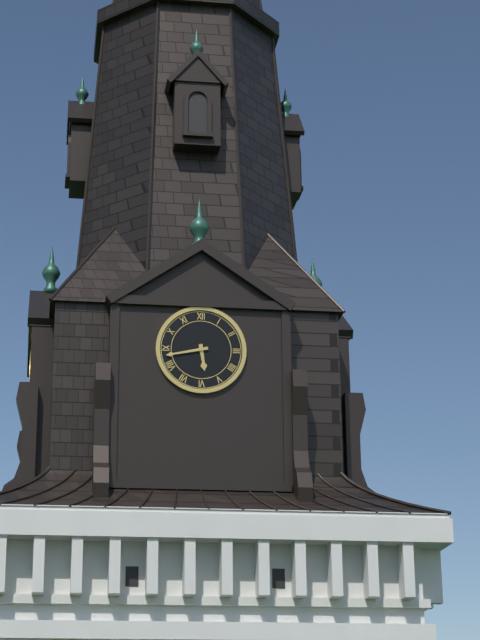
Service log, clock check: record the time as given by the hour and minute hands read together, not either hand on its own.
5:43
